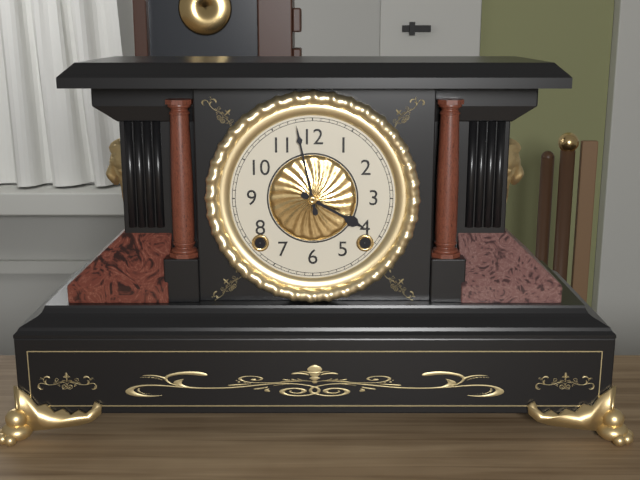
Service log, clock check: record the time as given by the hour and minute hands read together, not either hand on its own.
3:58
